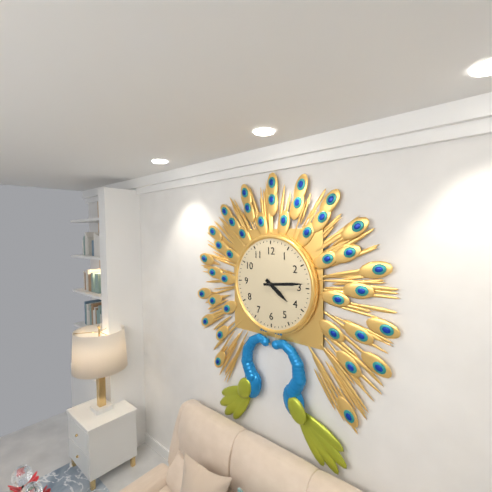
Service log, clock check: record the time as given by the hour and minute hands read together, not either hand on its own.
4:14
